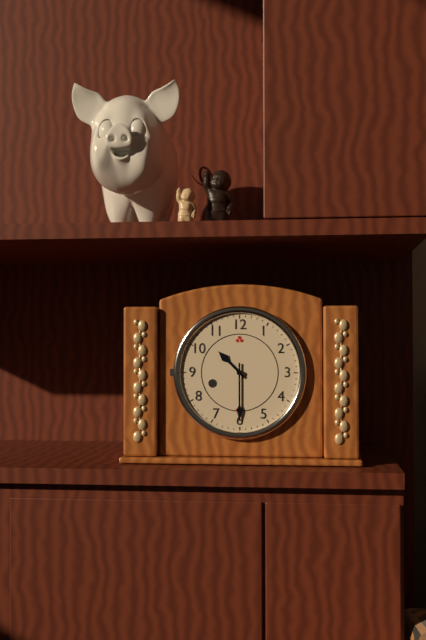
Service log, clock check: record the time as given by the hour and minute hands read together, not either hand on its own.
10:30
